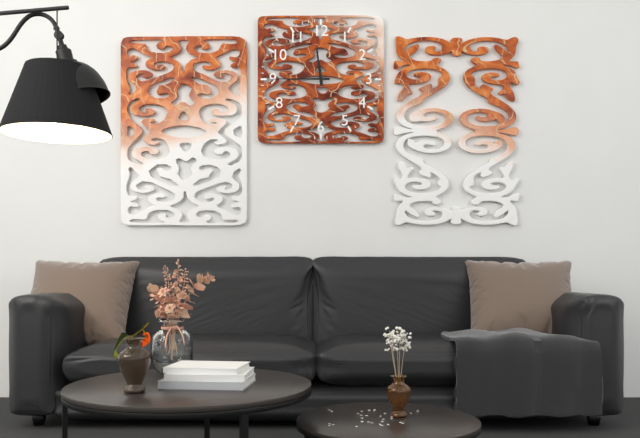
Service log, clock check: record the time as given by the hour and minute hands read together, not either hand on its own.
11:45
